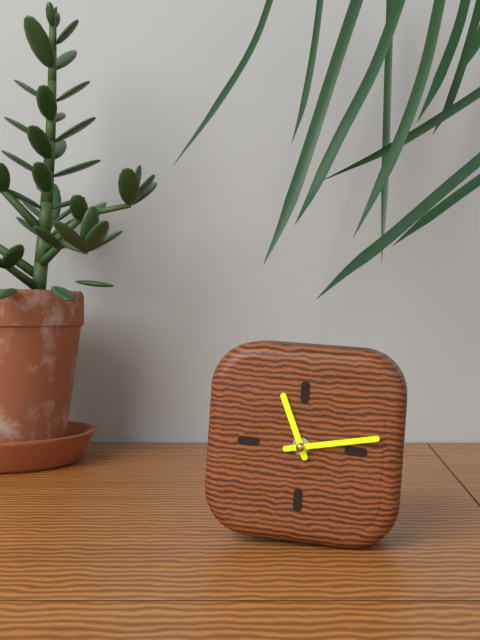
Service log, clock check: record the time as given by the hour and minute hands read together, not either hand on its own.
11:13
